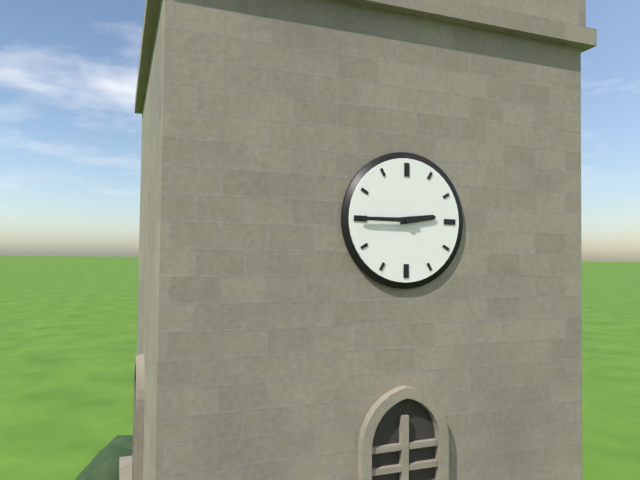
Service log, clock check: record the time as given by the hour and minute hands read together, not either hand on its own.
2:45
